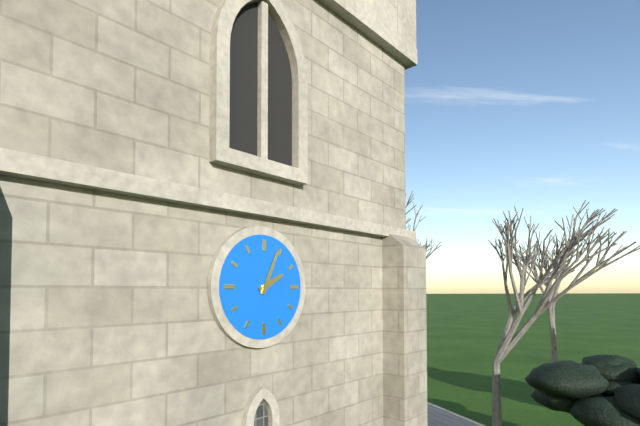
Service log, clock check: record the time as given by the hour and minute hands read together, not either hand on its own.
2:04
